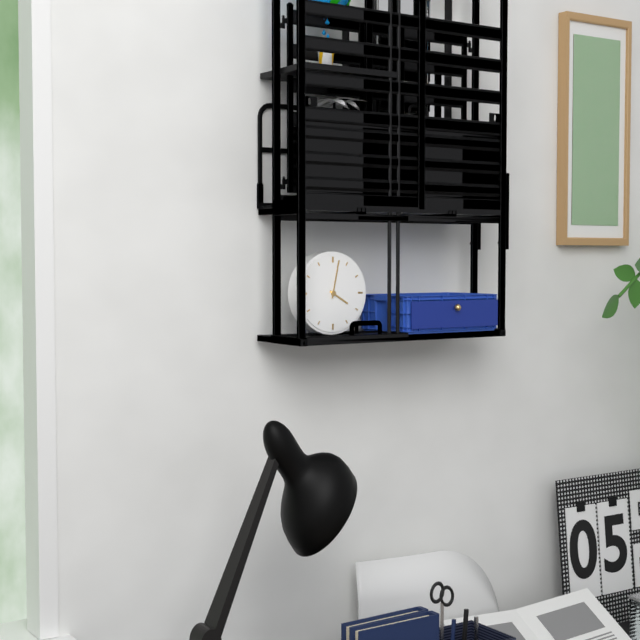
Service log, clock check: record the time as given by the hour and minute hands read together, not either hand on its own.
4:02
